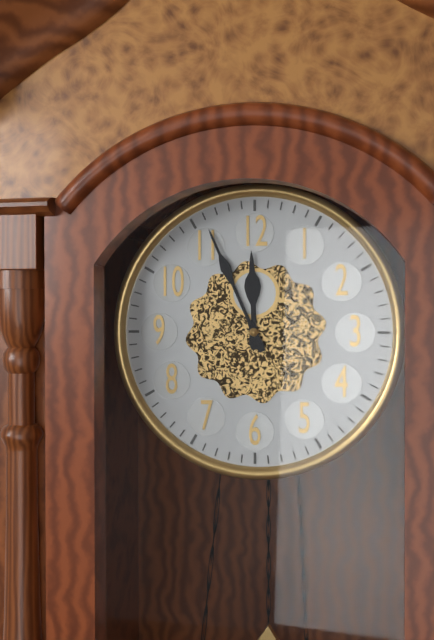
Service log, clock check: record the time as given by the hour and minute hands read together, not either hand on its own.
11:56
